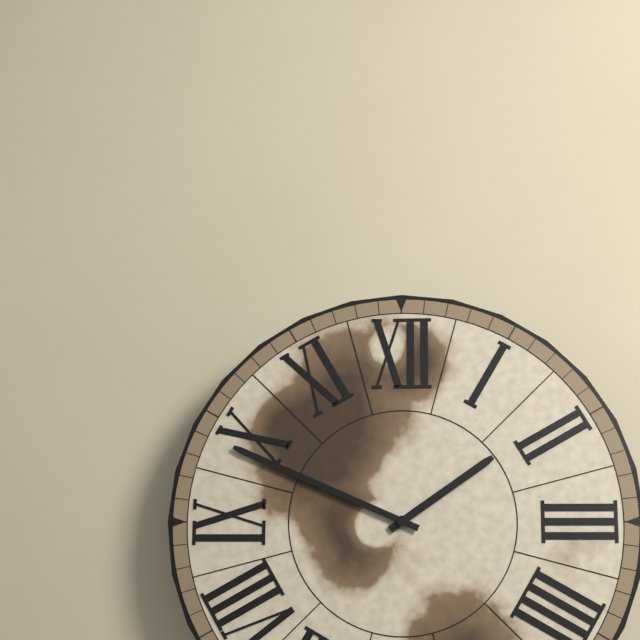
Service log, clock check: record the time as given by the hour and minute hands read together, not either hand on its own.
1:49
